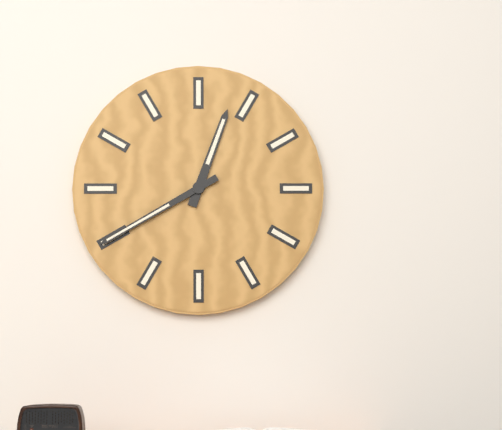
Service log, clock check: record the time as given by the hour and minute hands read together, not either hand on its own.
12:40
